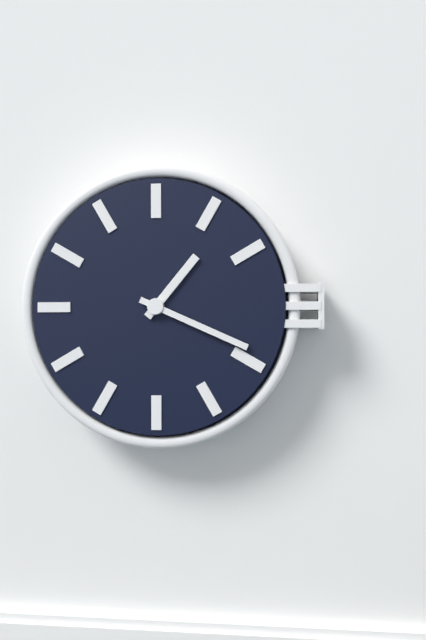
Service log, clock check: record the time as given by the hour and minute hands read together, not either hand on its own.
1:19
